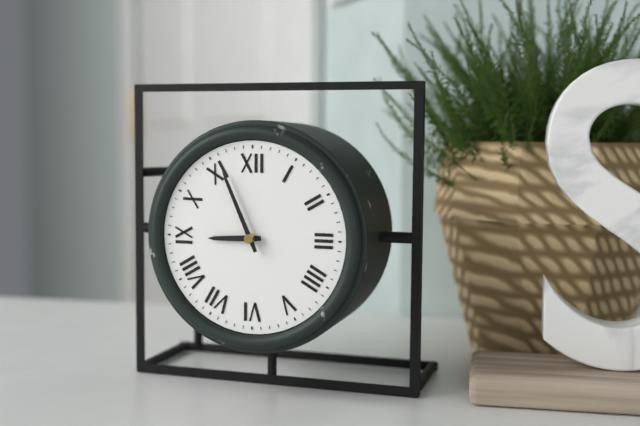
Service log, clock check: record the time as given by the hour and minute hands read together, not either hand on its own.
8:56
